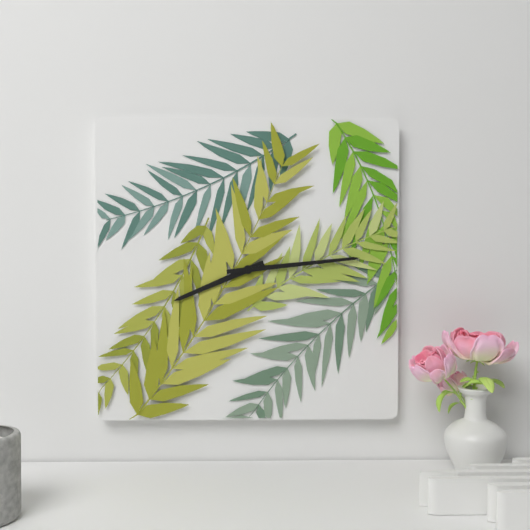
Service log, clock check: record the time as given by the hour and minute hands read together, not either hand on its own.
8:14
